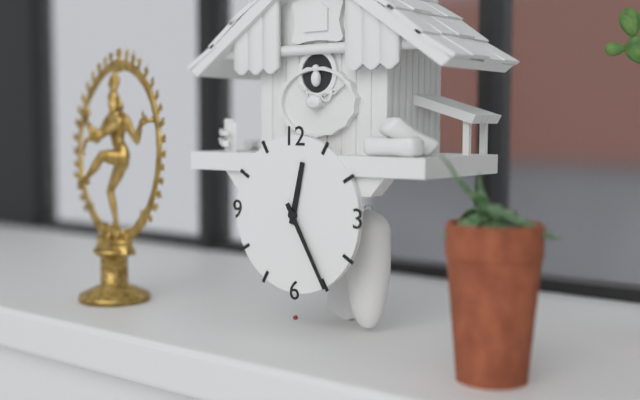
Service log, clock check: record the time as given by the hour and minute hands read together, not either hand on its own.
12:25
